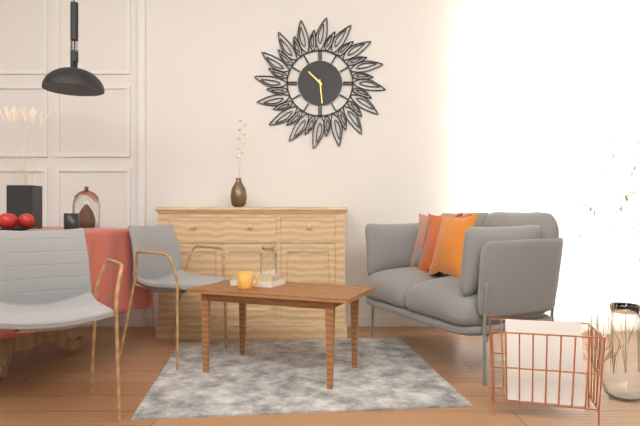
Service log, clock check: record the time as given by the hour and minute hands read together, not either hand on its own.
10:29
